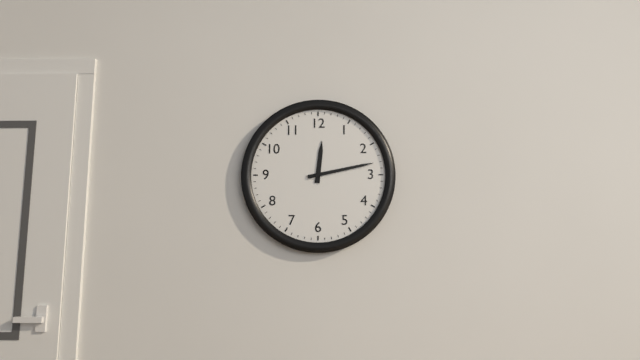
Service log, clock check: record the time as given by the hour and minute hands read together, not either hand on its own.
12:13
